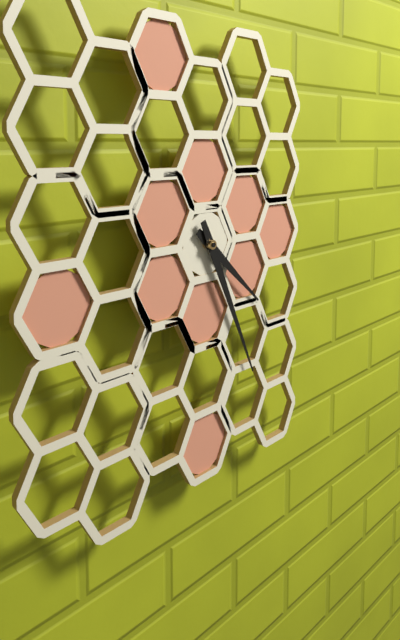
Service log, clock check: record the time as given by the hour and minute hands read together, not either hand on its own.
4:26
